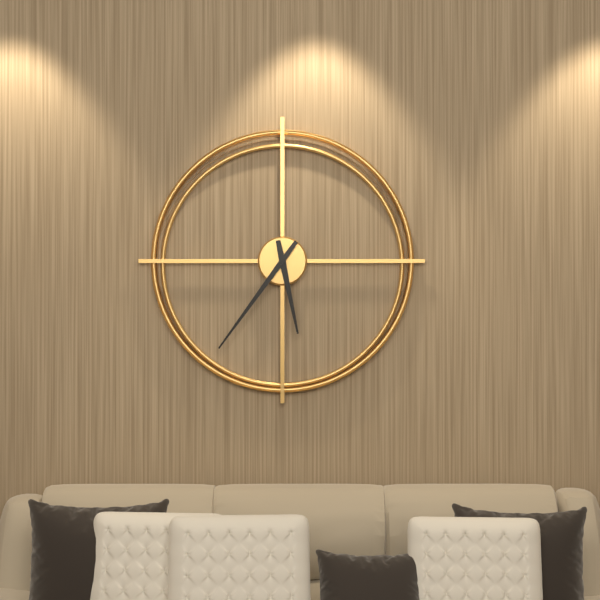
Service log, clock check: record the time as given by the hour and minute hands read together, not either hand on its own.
5:36
